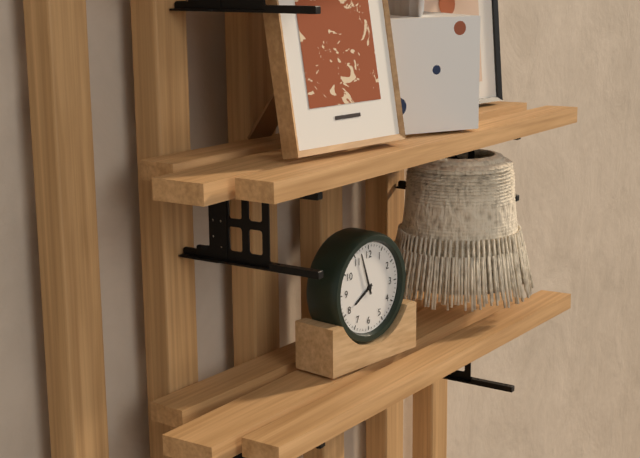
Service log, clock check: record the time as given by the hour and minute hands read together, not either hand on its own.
7:57
